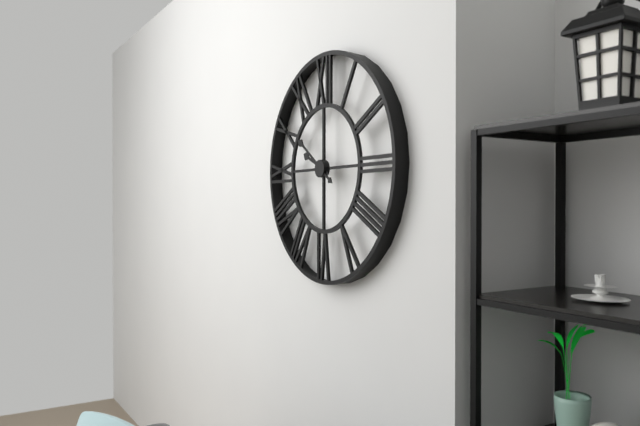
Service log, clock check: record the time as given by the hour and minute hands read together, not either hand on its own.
9:51
